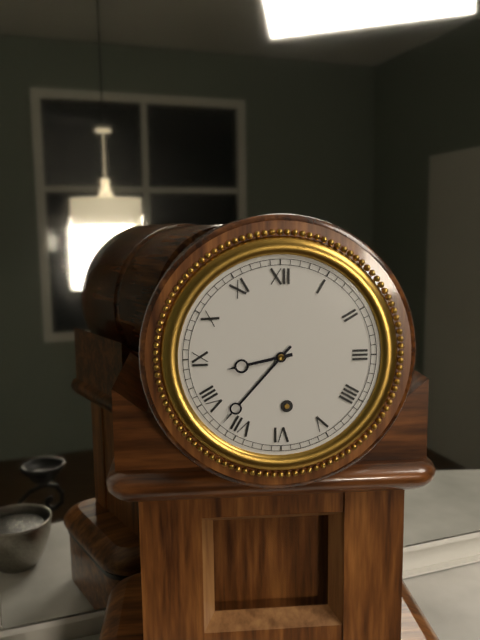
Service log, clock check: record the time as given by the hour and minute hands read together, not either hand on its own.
8:37
